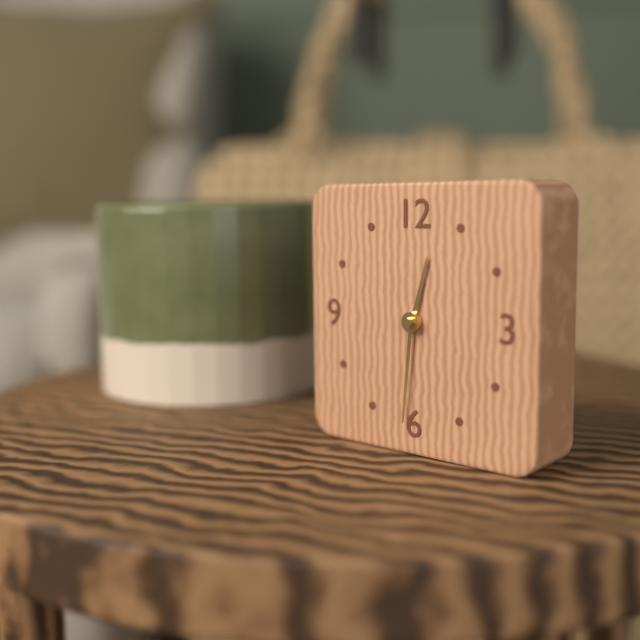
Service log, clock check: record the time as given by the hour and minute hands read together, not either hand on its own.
12:31
